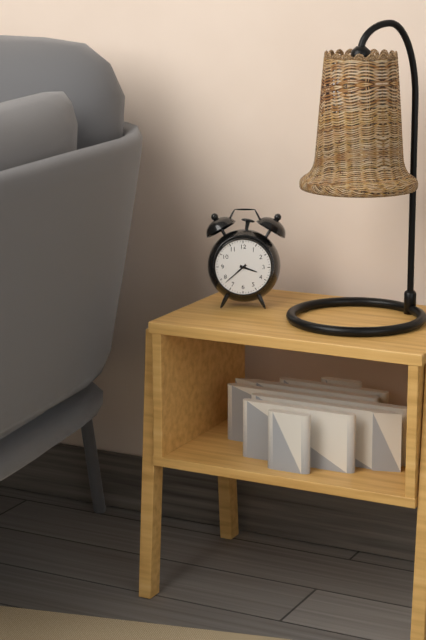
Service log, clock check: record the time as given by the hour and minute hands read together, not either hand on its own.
3:38
